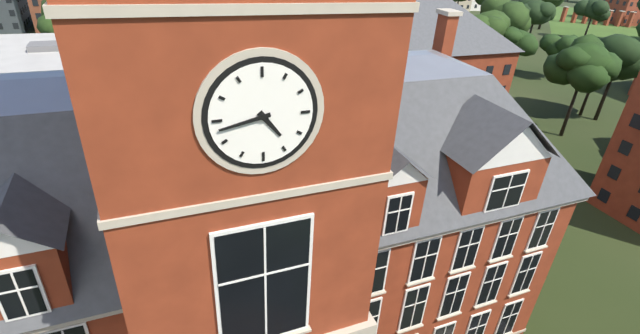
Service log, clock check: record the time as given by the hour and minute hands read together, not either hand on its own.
4:43
